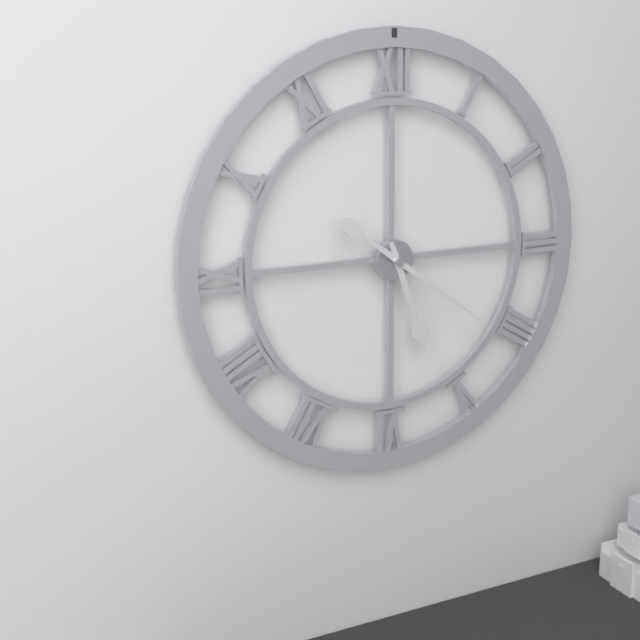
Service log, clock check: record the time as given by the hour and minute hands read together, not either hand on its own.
5:21
